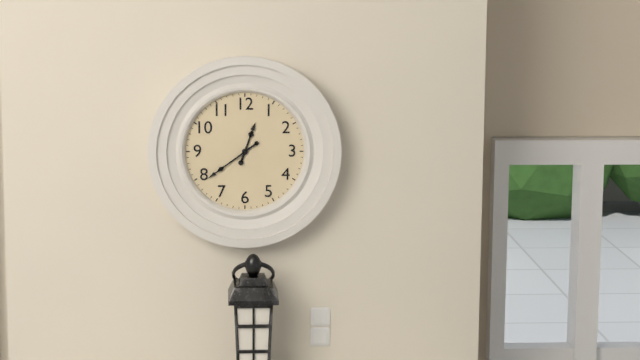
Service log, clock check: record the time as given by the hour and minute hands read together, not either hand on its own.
12:39
